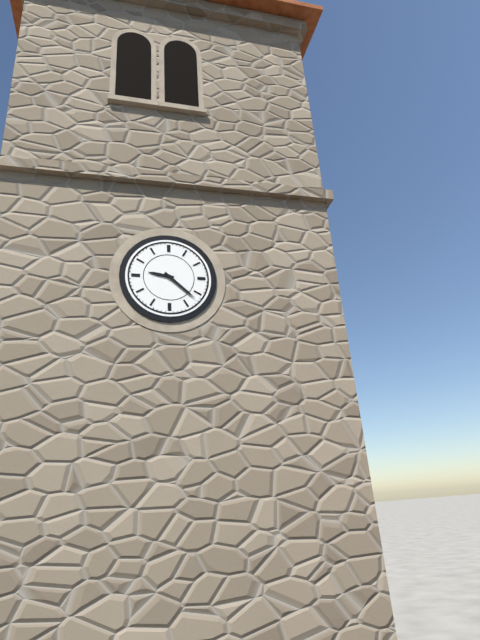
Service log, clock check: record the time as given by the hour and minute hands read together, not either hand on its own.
9:22
